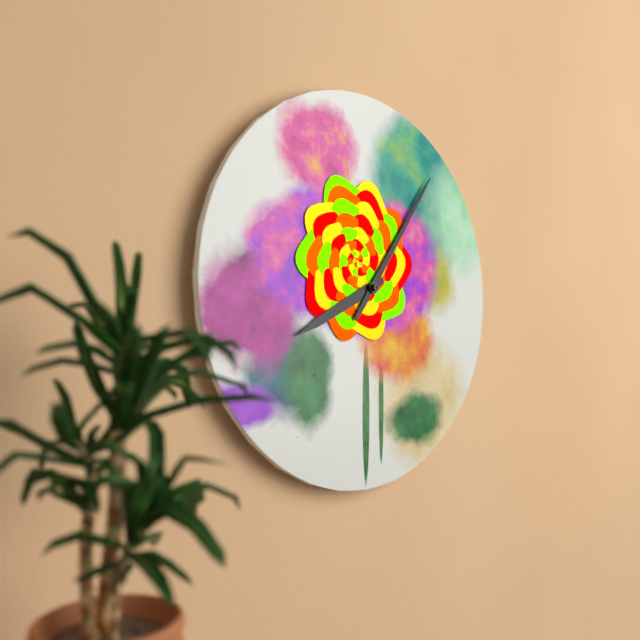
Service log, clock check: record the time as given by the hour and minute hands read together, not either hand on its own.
8:06
